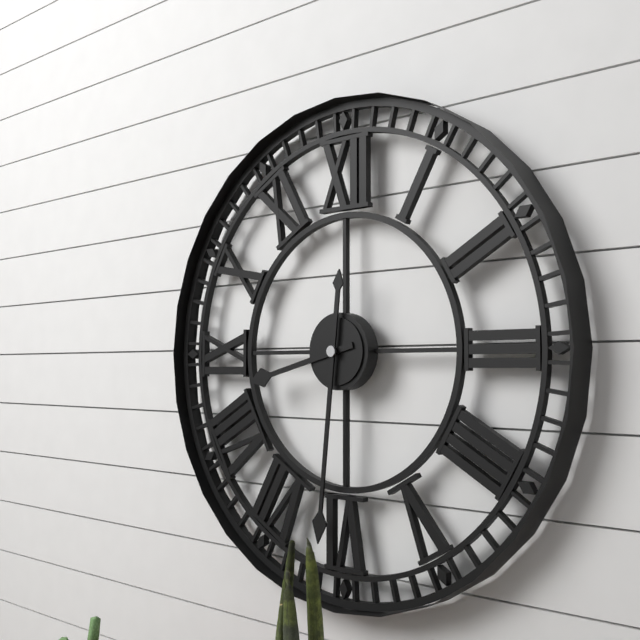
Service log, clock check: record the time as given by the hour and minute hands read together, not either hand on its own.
8:31
